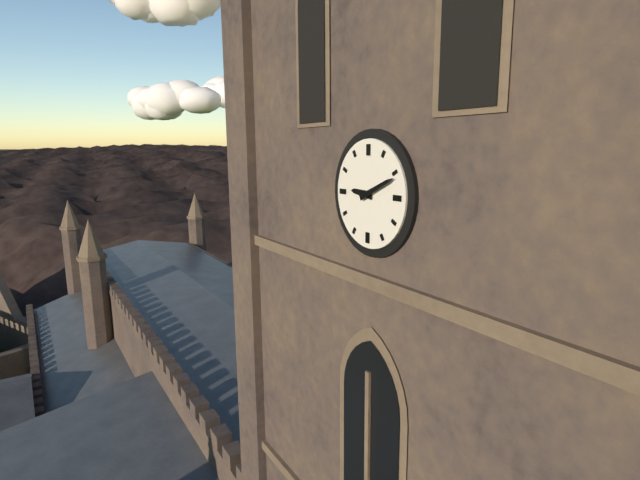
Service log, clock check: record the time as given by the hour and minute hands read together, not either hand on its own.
9:11
